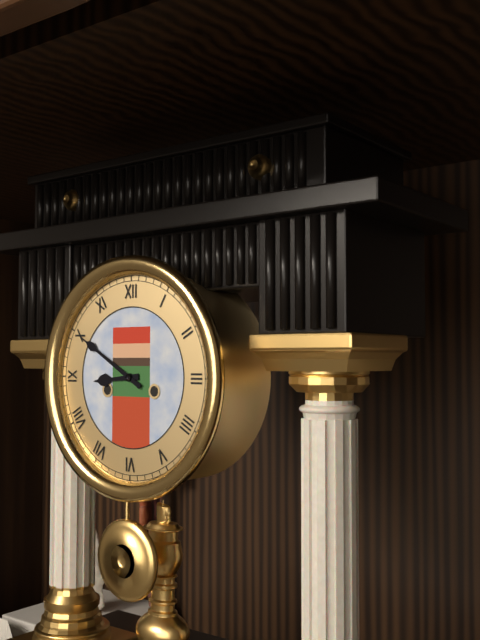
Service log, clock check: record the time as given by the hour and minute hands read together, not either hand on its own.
8:50
